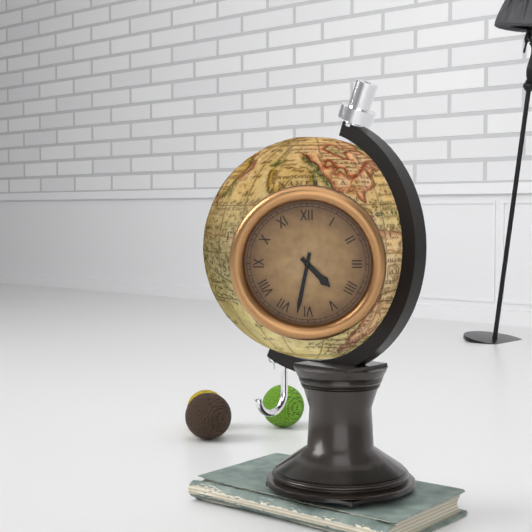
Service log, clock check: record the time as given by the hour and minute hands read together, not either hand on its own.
4:32
